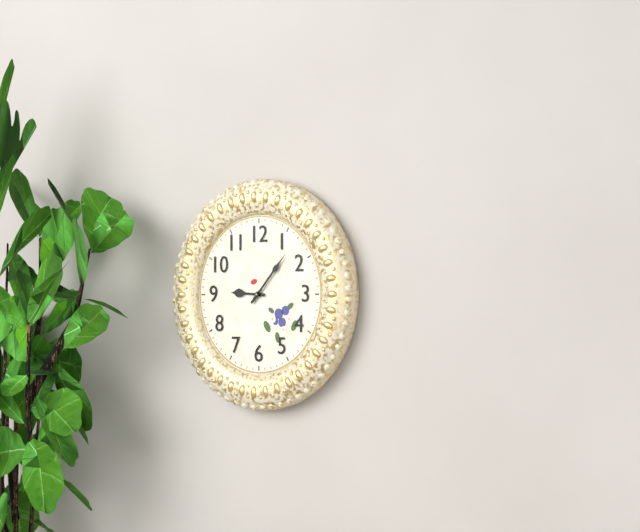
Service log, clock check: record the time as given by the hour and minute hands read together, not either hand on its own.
9:07
